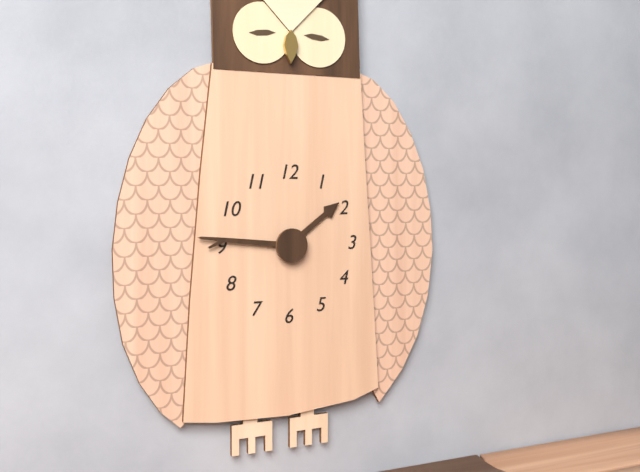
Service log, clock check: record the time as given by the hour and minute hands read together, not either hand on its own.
1:46
